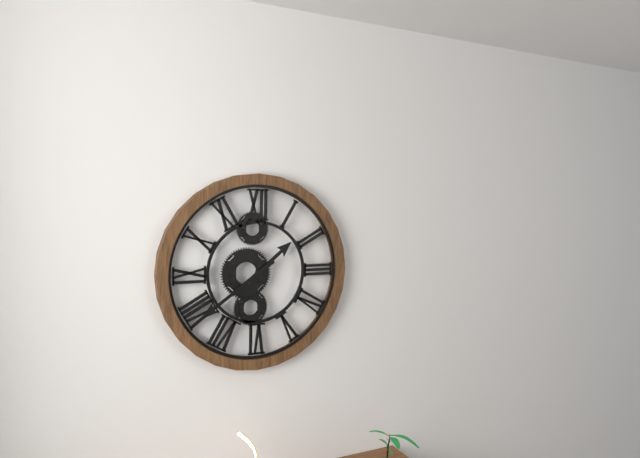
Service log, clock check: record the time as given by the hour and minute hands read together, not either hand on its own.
1:39
